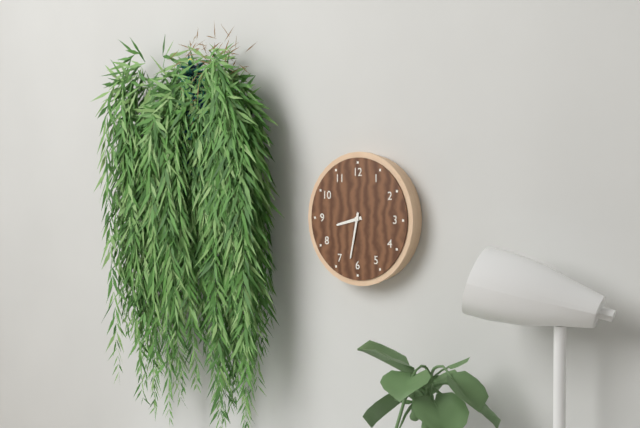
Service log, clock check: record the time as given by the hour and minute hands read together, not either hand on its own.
8:32
